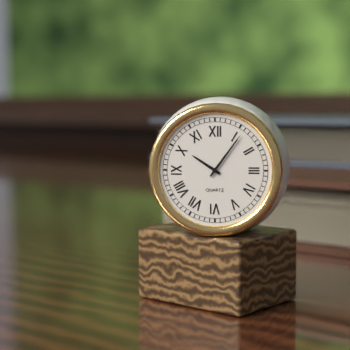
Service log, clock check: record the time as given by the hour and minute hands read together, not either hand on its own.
10:06
